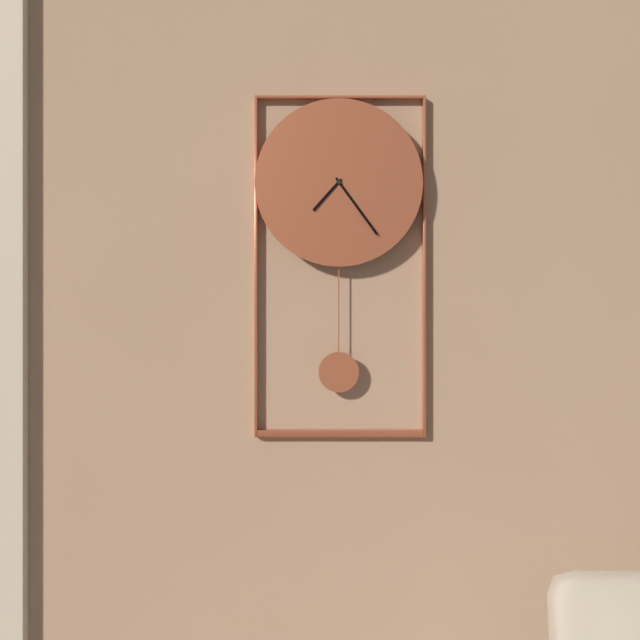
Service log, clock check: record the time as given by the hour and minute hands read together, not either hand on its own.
7:24
